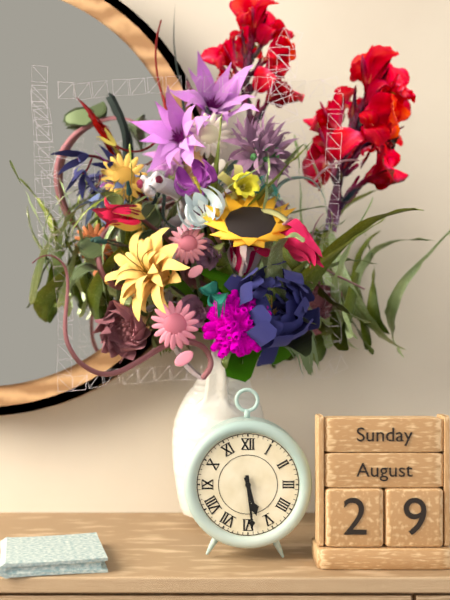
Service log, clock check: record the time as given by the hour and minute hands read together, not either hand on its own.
5:29
